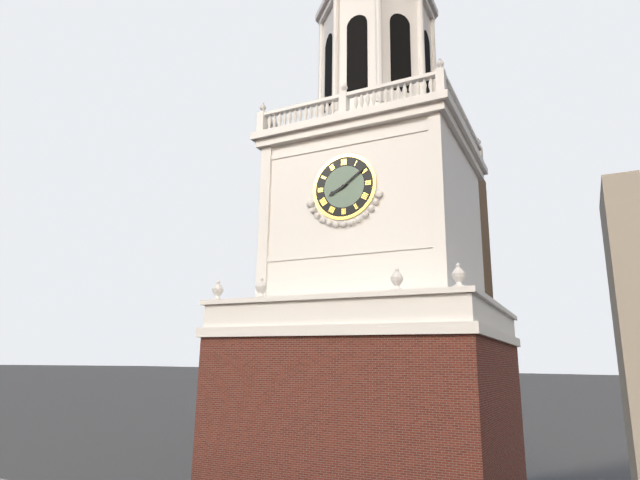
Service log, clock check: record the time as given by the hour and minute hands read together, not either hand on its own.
8:09
